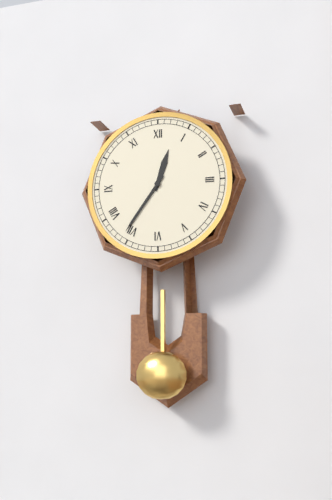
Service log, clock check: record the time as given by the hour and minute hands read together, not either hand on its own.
12:36
